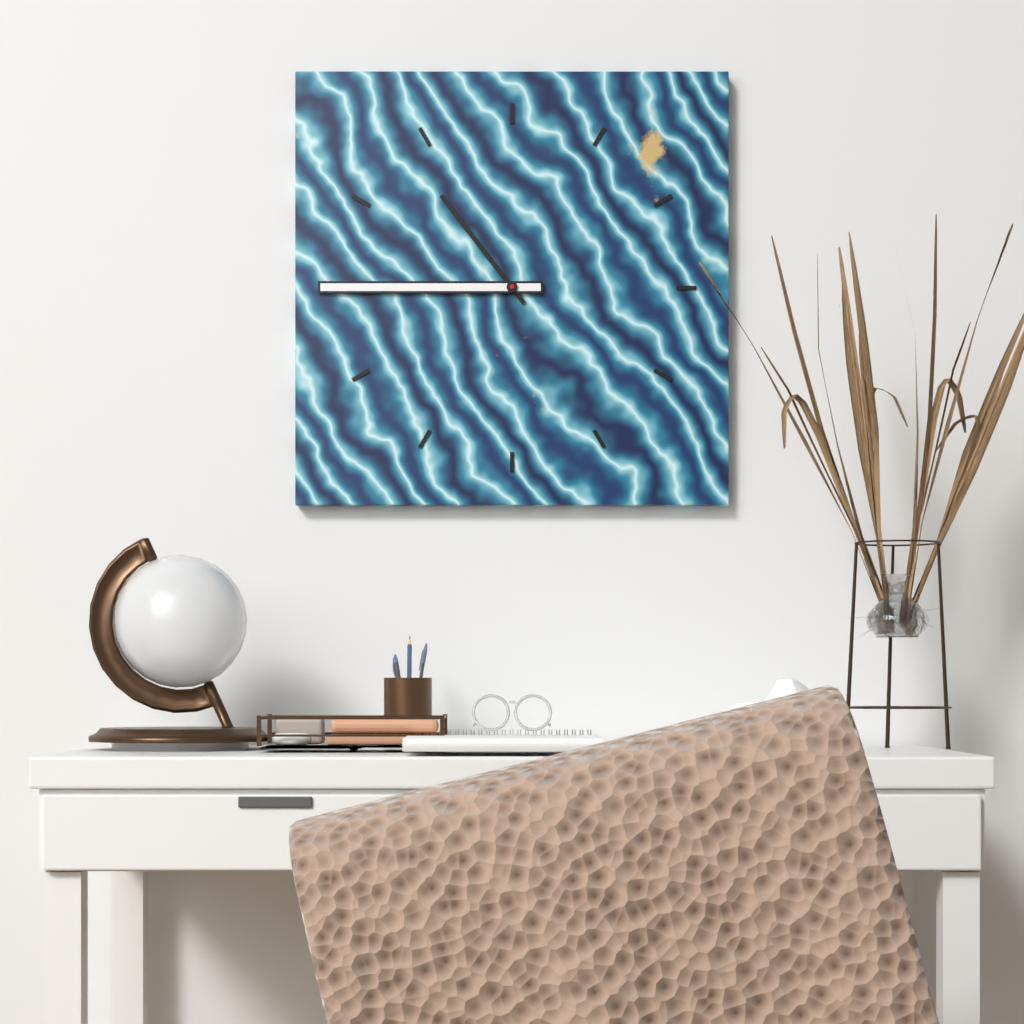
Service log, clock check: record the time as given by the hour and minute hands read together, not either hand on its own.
10:45
